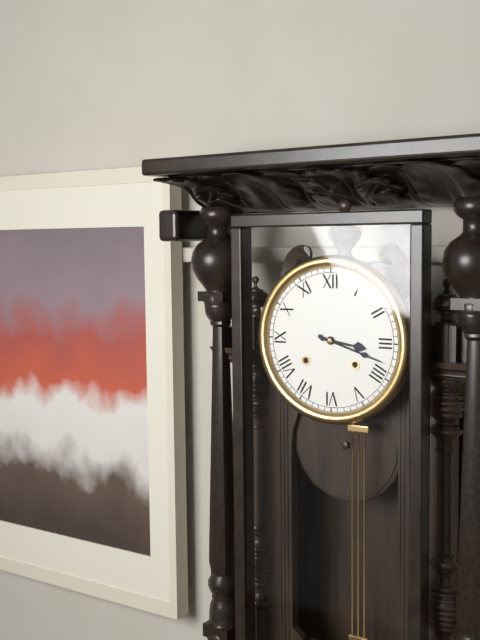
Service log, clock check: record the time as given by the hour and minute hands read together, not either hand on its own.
3:18
